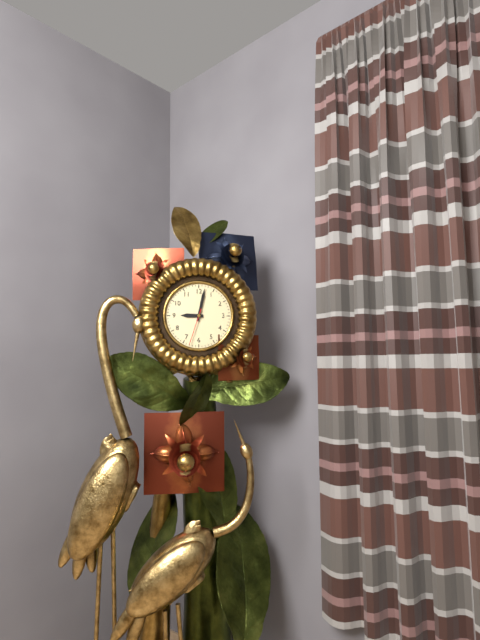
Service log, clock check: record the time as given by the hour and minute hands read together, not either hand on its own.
9:02
